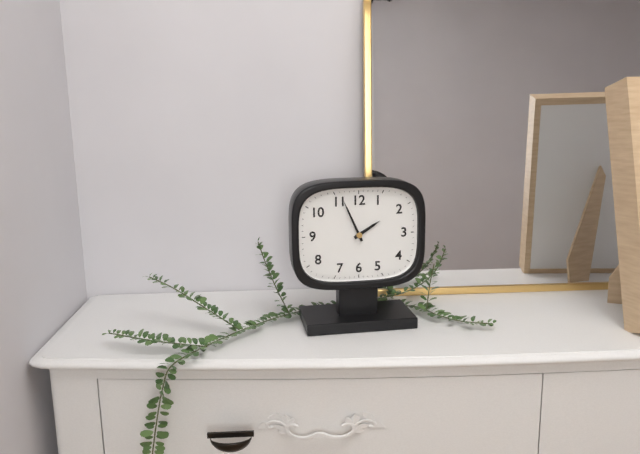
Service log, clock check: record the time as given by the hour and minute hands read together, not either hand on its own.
1:56
